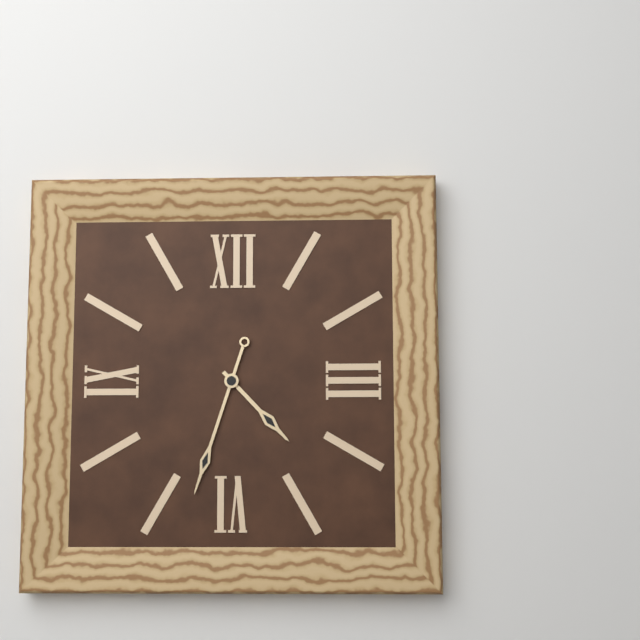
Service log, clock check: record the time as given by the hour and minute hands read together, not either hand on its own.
4:33
